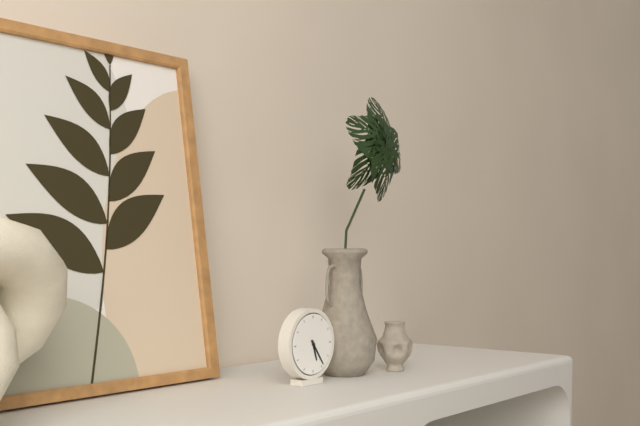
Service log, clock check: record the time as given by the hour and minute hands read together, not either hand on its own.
5:24
